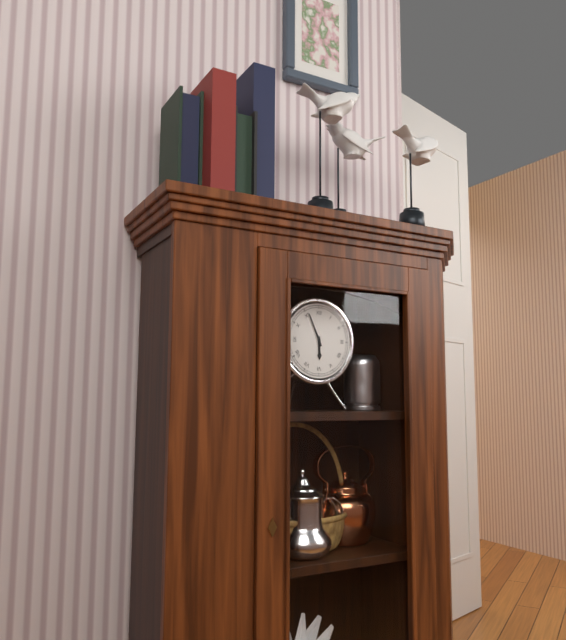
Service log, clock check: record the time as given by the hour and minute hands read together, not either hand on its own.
5:56
